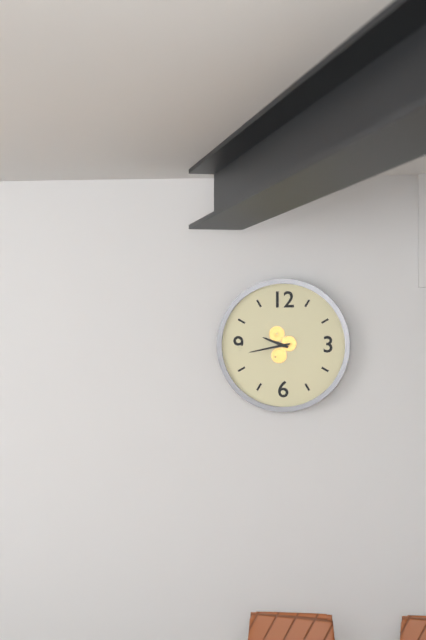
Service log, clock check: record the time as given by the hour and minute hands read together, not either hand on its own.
9:43
